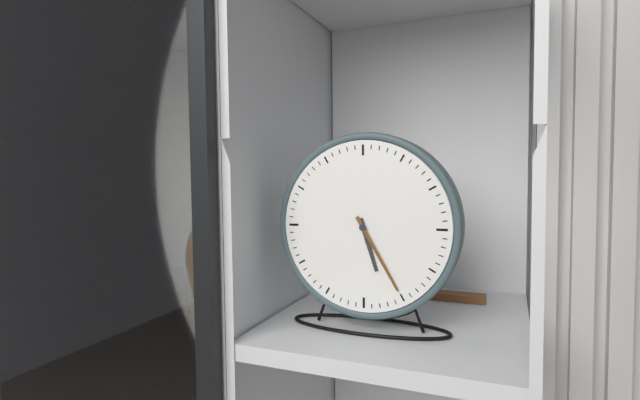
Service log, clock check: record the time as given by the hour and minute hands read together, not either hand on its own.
5:25
